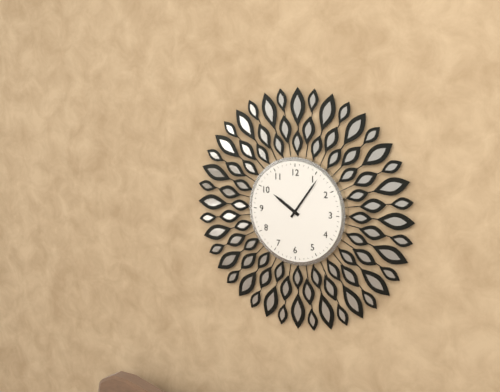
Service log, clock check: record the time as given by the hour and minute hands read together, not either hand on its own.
10:06
